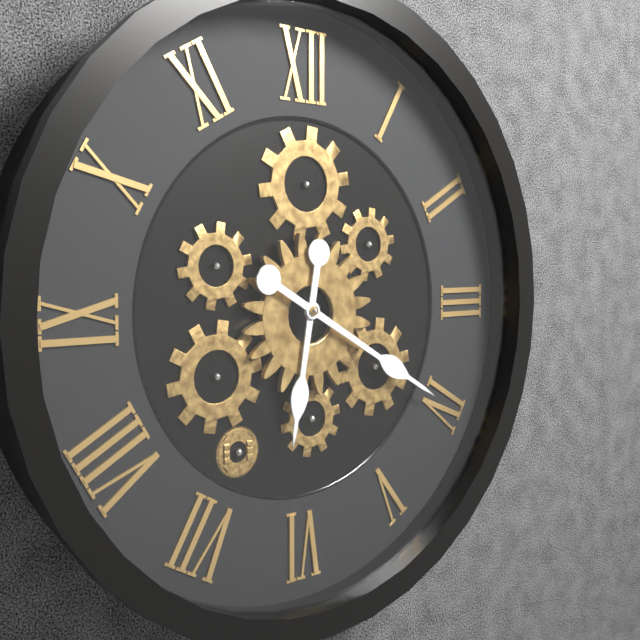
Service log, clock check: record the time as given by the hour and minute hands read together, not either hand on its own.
6:20
